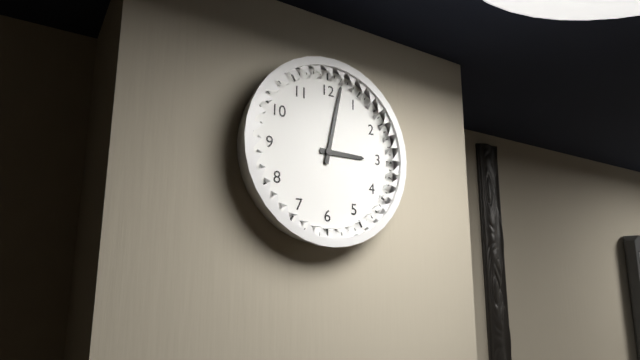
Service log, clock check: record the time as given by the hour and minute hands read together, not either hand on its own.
3:02
